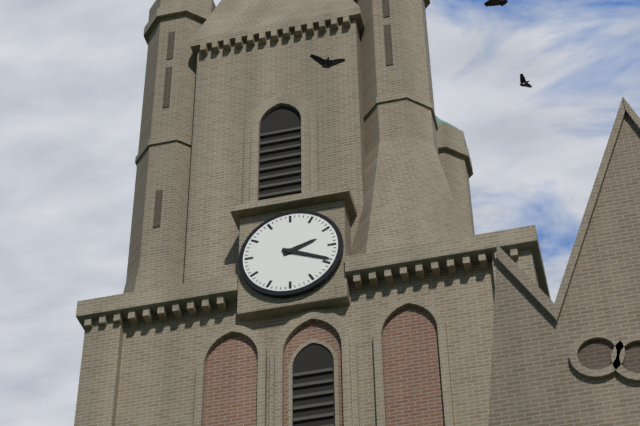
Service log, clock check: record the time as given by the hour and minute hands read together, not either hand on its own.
2:19
